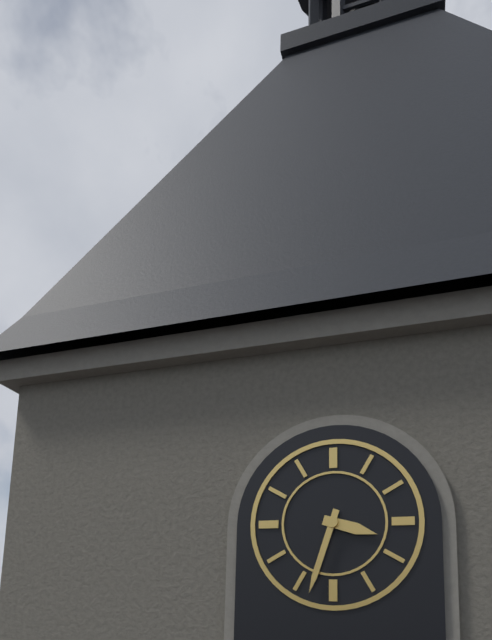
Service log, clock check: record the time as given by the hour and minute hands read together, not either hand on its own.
3:33
